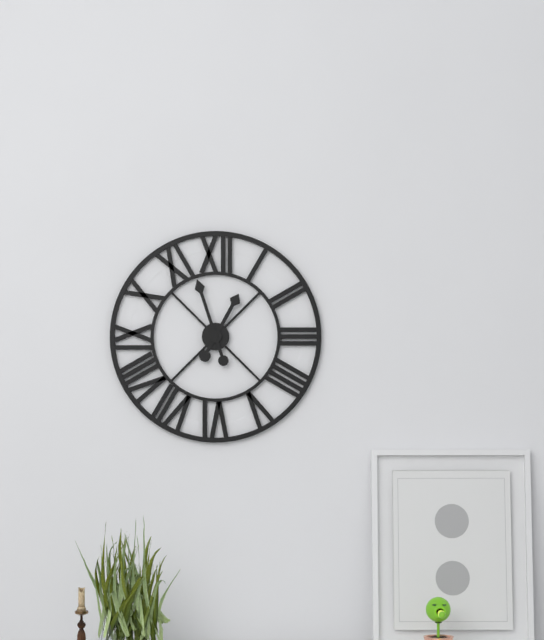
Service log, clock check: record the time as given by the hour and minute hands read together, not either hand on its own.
12:57
